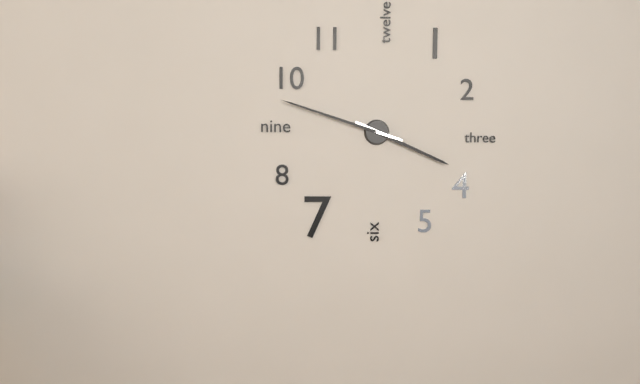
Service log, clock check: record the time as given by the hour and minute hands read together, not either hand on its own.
3:48
